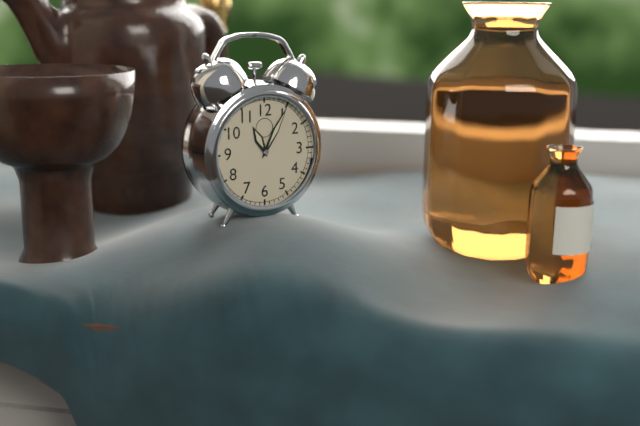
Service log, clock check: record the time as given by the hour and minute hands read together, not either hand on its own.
11:05
